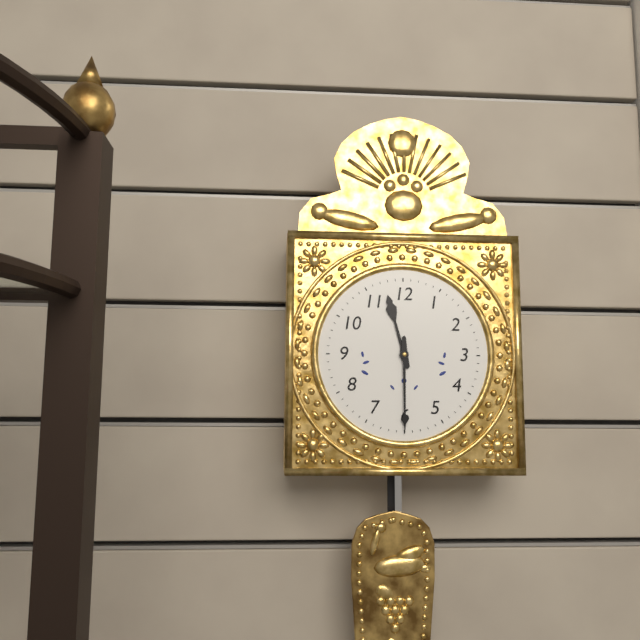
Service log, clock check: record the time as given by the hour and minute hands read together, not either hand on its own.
11:30
